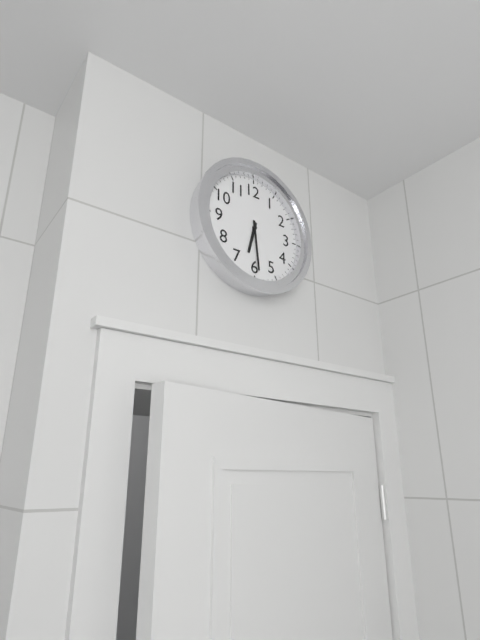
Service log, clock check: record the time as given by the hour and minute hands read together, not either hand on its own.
6:29
